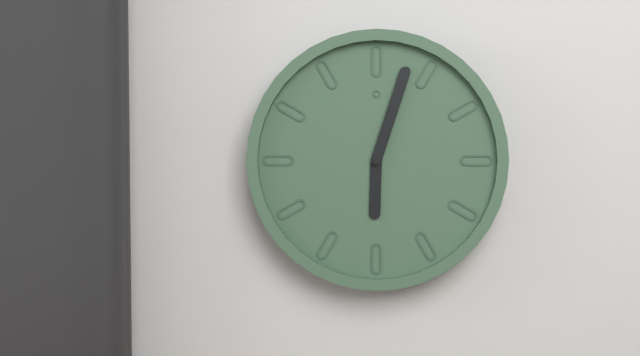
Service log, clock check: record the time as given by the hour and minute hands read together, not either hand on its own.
6:03
